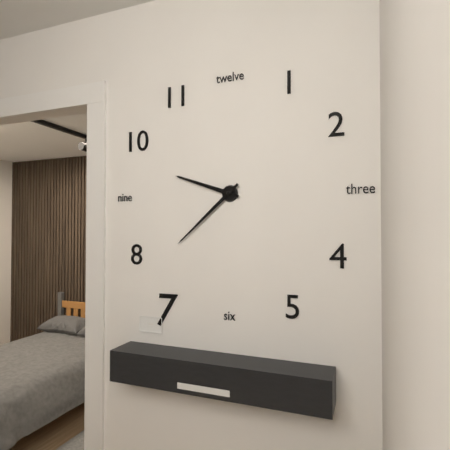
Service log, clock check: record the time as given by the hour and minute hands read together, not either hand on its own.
9:38
